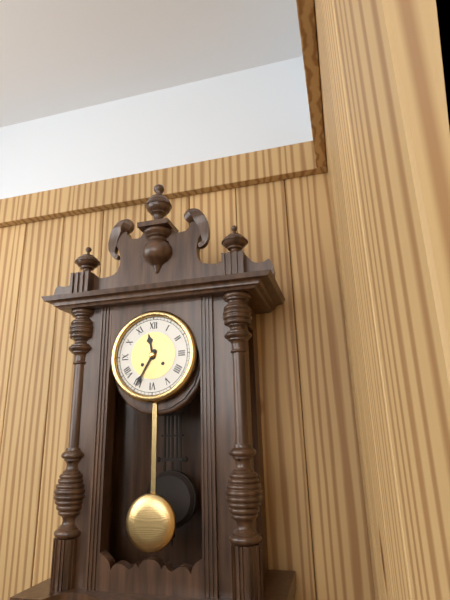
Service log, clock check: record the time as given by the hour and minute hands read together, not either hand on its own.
11:35
